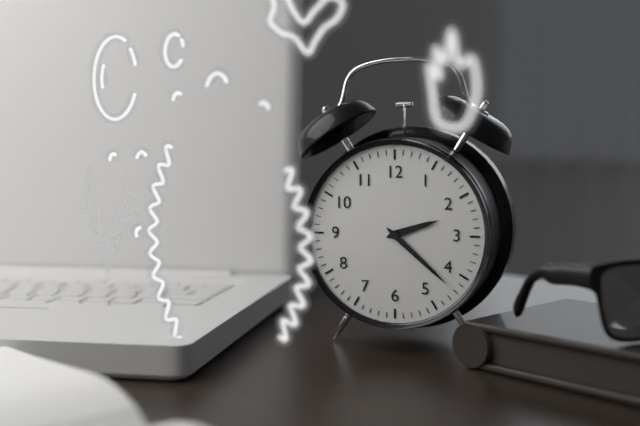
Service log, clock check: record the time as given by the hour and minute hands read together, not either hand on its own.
2:22
